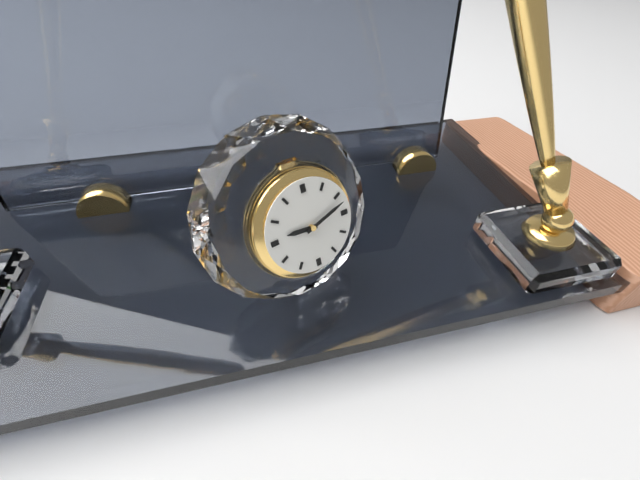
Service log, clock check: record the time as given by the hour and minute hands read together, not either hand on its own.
9:12
